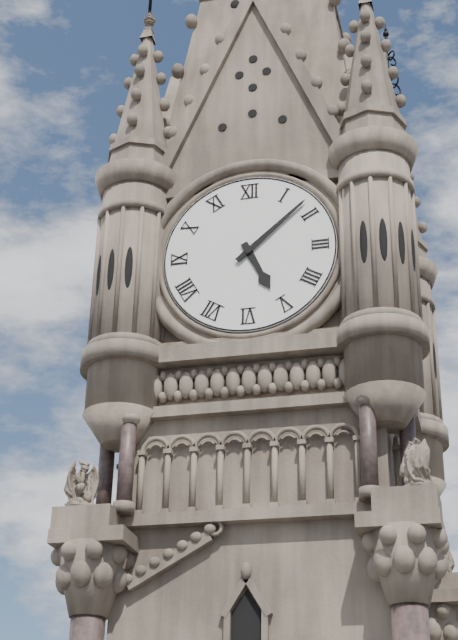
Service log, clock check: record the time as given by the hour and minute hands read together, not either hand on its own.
5:08
